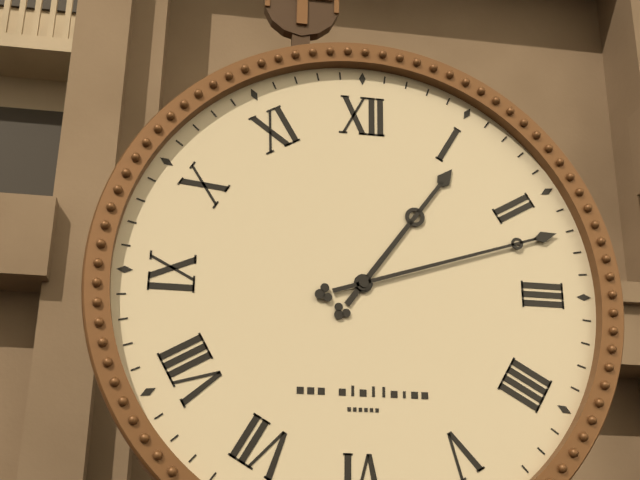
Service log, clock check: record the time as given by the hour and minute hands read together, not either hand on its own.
1:12
